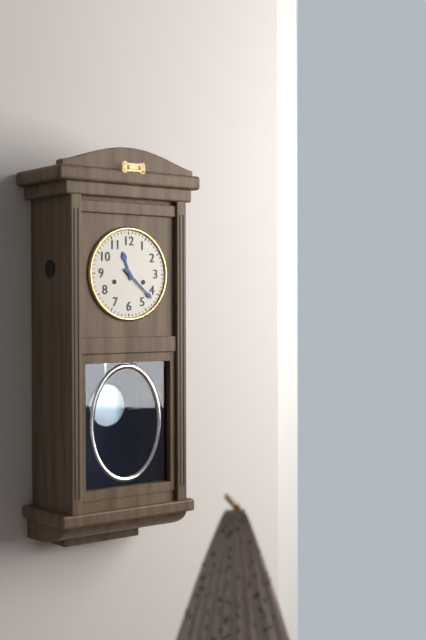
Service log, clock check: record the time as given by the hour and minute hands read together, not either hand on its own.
11:22
